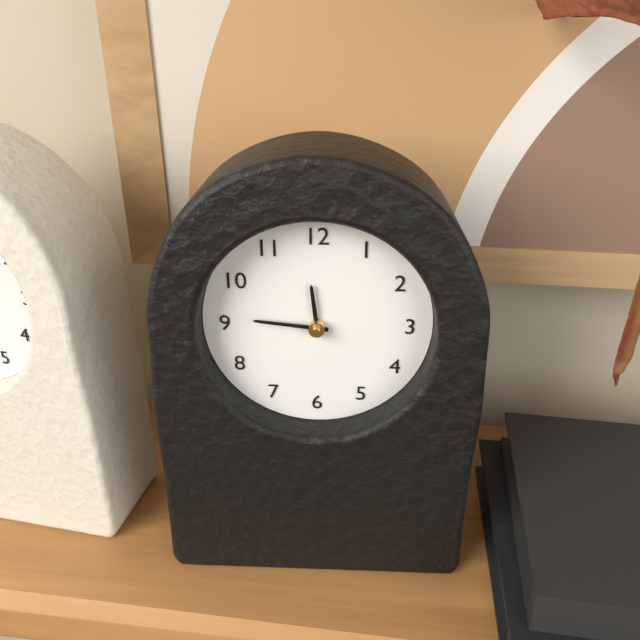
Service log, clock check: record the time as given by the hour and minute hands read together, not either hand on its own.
11:46
